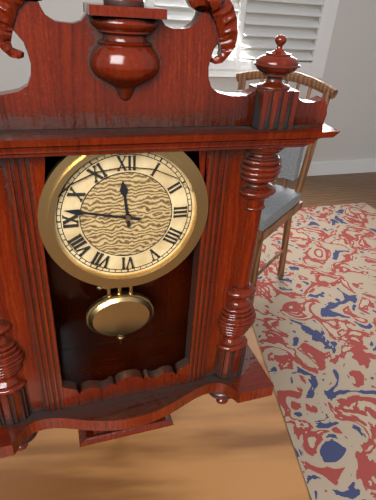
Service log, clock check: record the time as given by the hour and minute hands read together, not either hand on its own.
11:47
